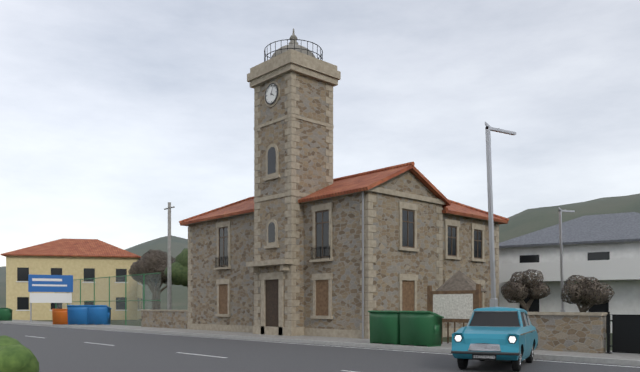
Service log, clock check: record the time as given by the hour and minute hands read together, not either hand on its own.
4:04
